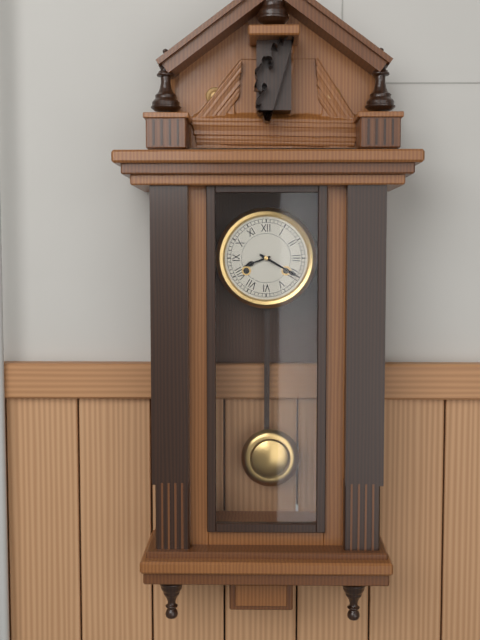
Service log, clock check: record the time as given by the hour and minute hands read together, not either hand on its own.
8:20
